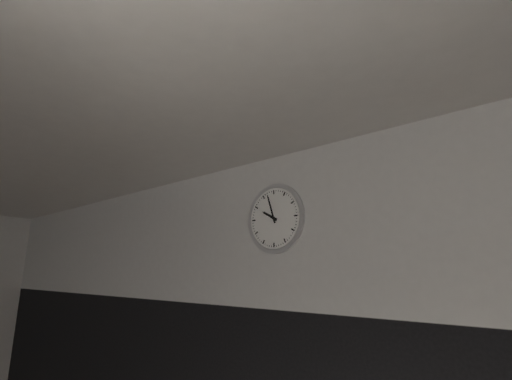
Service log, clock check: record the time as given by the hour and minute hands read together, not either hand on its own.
9:57
